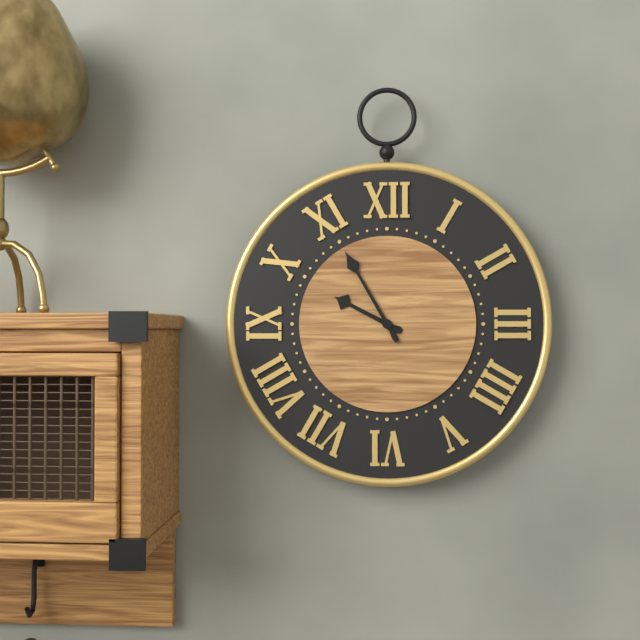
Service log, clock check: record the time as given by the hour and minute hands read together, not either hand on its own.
9:55
